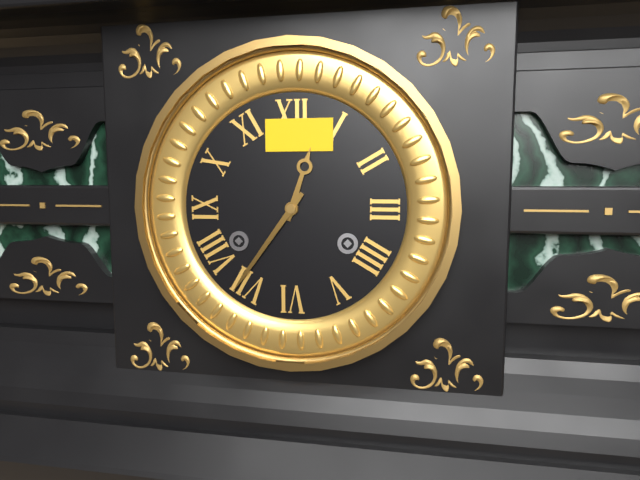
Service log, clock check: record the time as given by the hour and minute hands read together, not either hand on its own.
12:36
